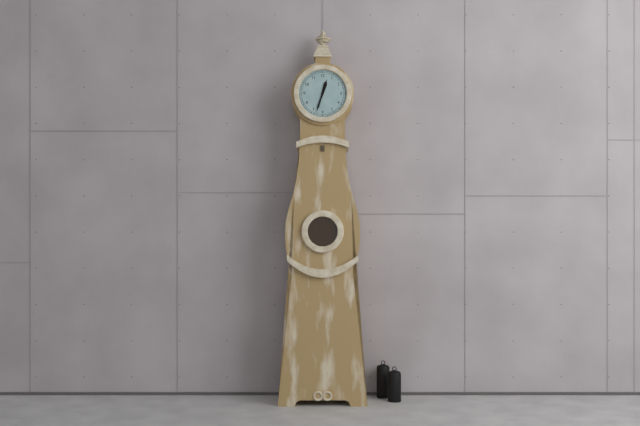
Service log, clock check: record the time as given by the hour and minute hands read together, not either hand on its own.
12:33
